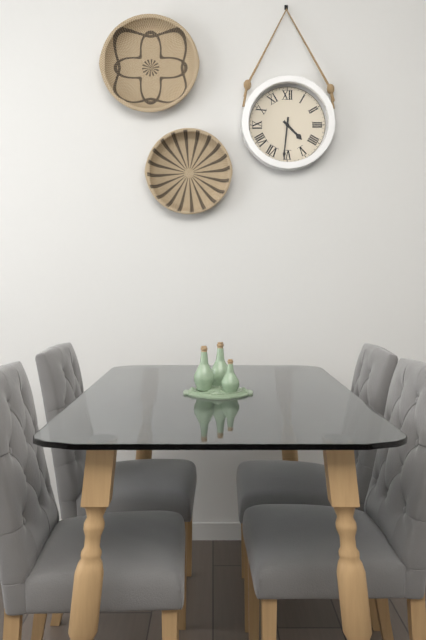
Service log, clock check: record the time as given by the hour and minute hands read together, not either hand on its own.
4:31
